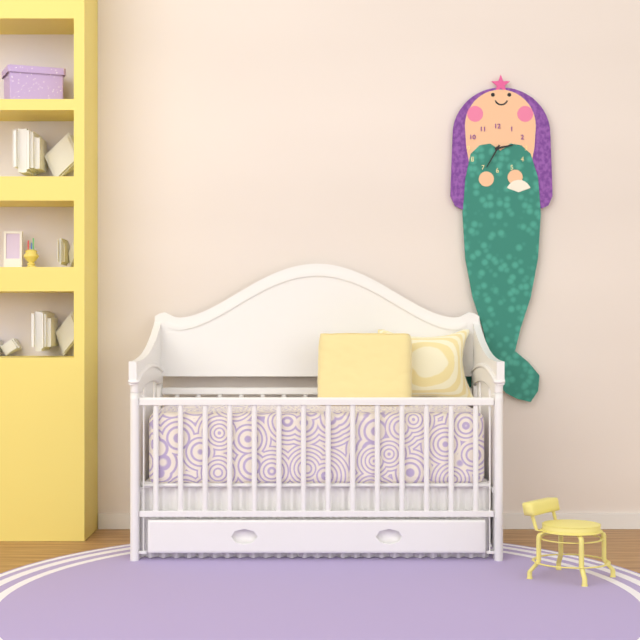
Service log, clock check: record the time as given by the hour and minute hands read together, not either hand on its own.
2:35
